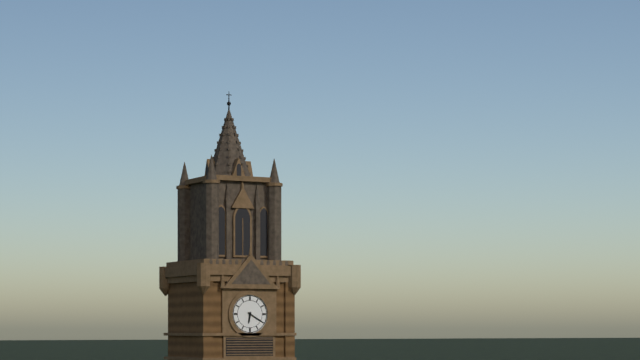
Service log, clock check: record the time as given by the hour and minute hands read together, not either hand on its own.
6:20
